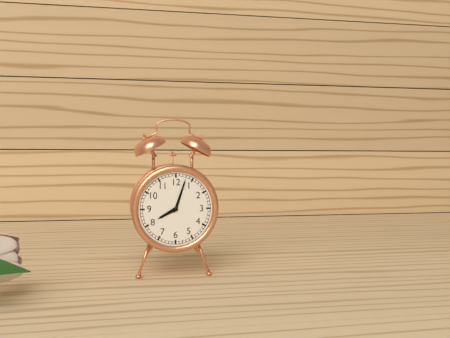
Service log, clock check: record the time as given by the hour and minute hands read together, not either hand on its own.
8:03
